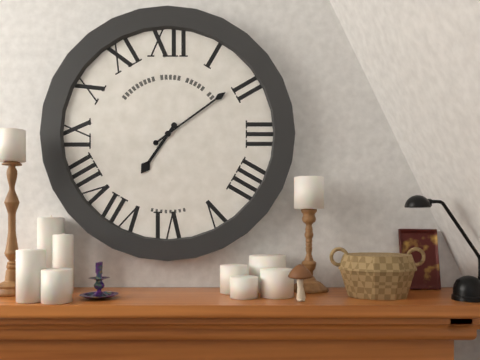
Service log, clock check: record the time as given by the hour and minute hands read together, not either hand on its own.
7:09
